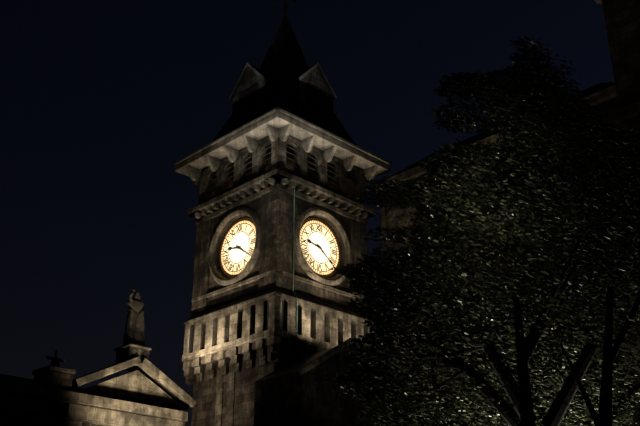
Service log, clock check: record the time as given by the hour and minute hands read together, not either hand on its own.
9:21
